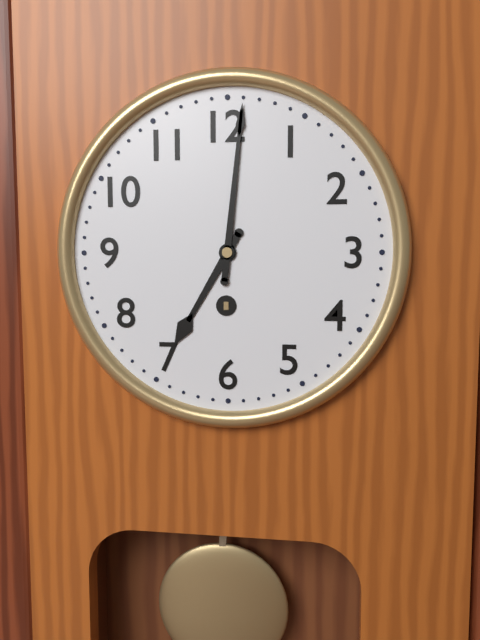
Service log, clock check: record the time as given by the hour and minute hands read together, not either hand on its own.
7:01
